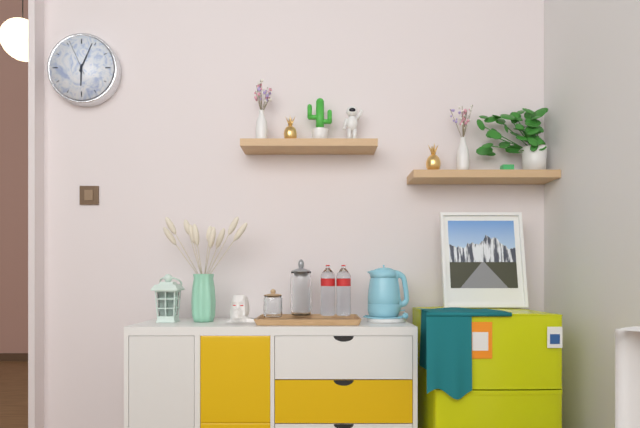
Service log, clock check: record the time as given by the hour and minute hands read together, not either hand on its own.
6:04
